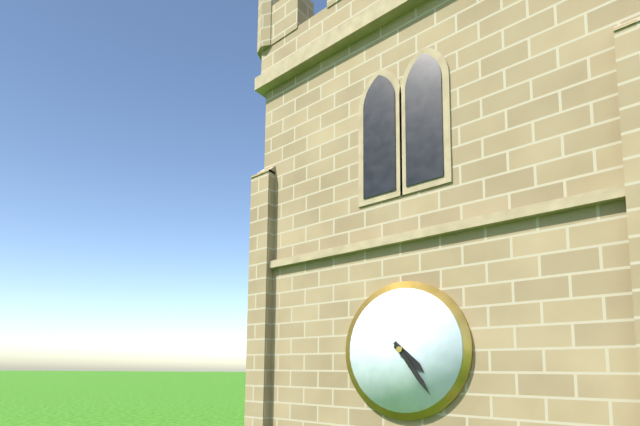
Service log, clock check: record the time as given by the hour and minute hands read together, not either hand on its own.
4:24
